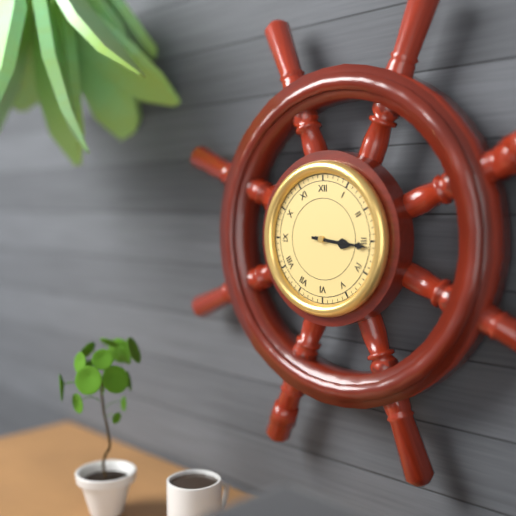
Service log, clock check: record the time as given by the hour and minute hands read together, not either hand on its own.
3:16
